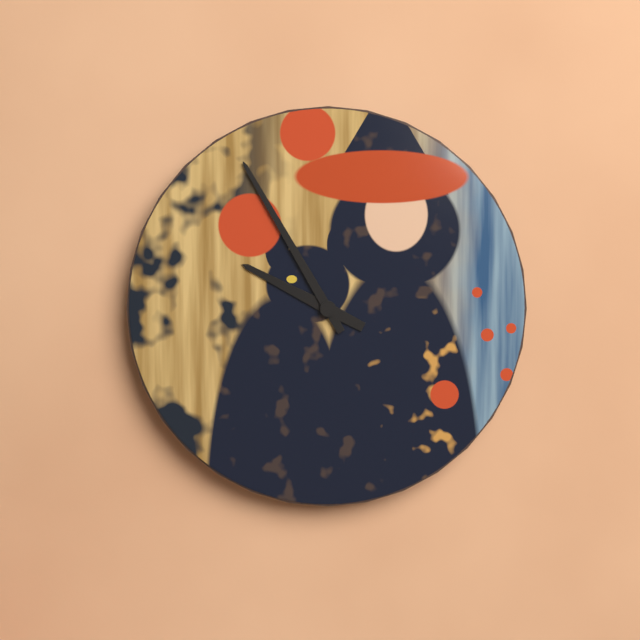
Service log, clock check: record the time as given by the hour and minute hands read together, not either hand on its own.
9:55
